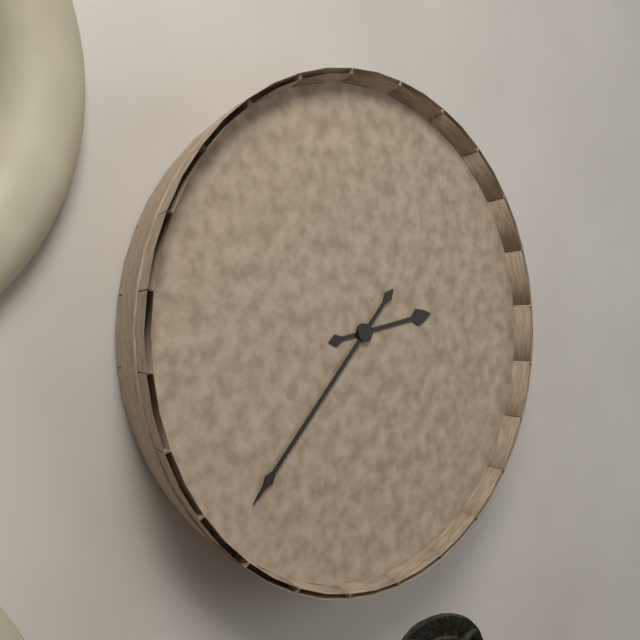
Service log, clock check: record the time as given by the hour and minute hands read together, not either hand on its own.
2:37
